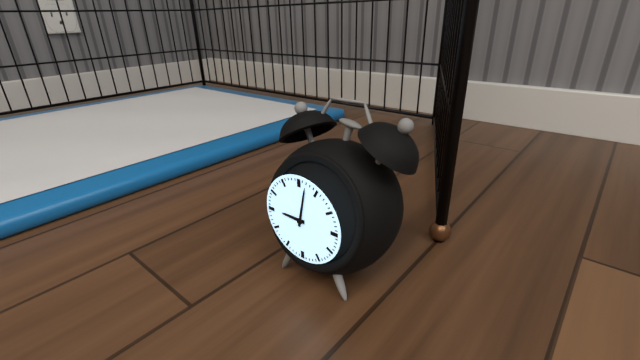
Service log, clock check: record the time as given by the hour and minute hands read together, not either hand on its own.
9:02
